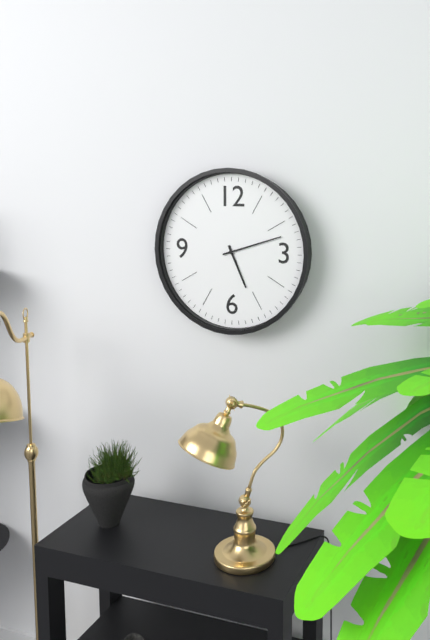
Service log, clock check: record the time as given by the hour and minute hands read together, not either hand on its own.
5:12
